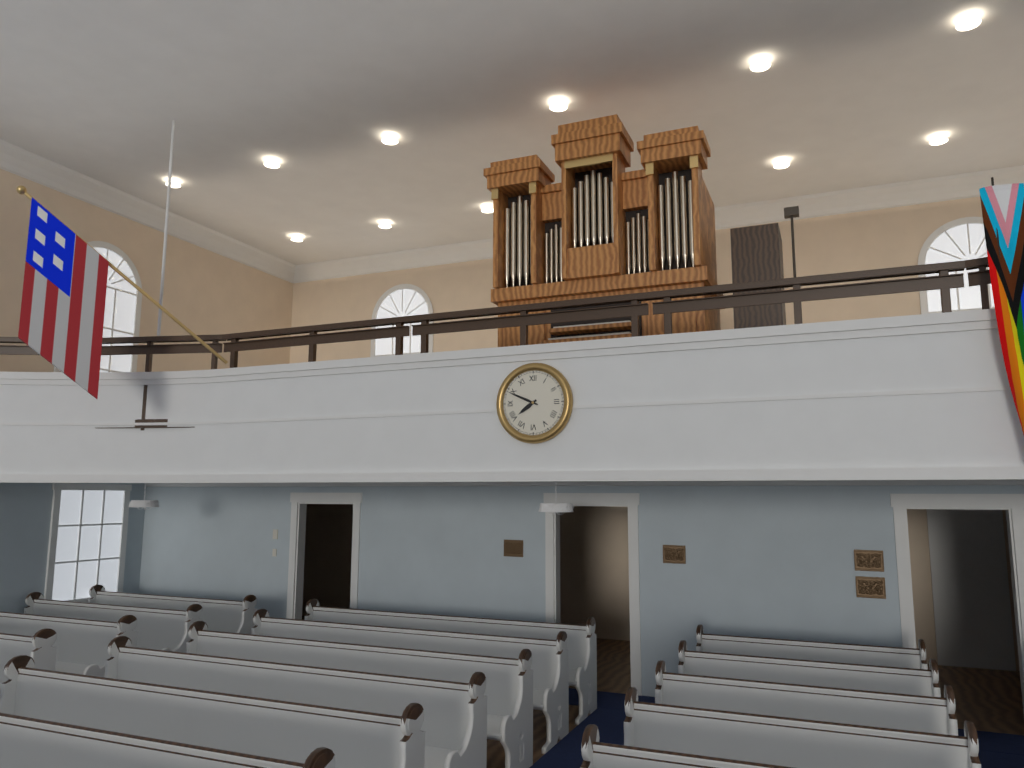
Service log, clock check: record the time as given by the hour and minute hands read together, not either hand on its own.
7:49
